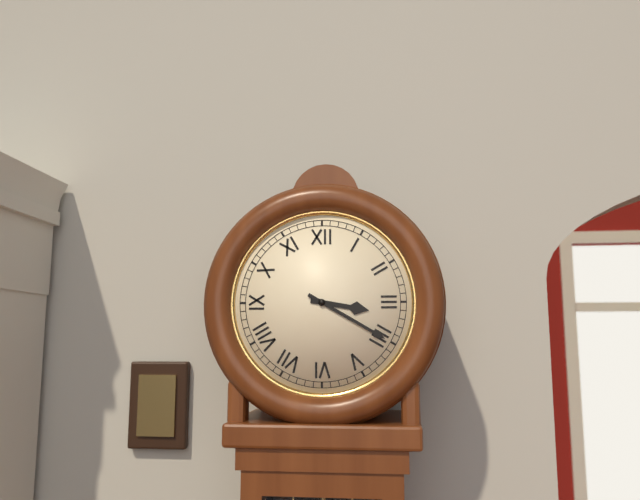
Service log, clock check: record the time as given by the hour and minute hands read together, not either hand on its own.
3:20
